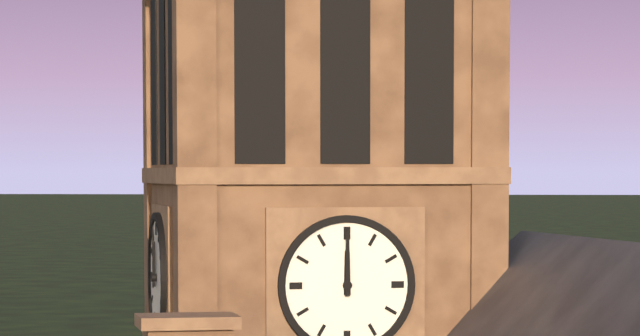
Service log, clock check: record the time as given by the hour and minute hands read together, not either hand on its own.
12:00
